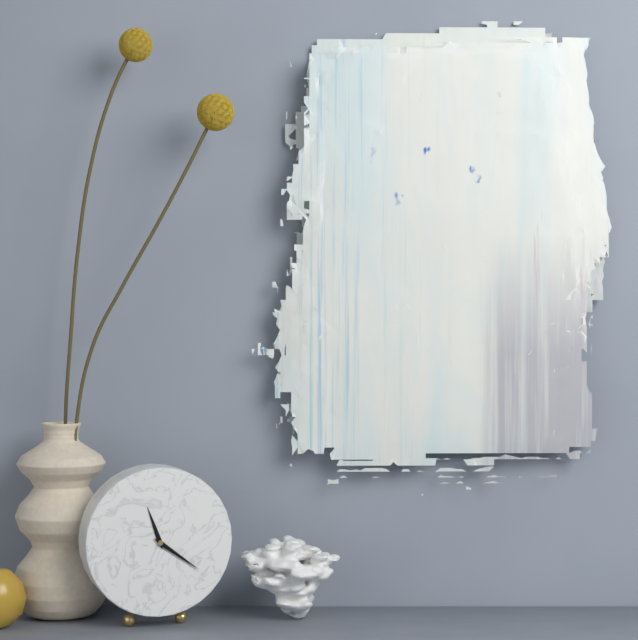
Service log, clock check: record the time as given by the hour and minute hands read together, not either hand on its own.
11:21
